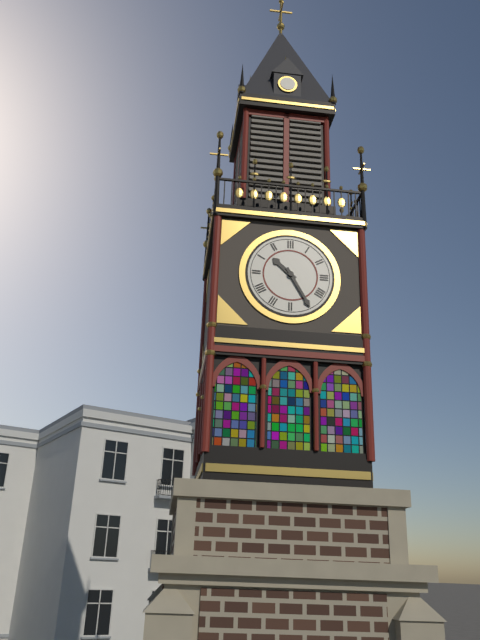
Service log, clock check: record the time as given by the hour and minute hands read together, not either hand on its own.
10:25
